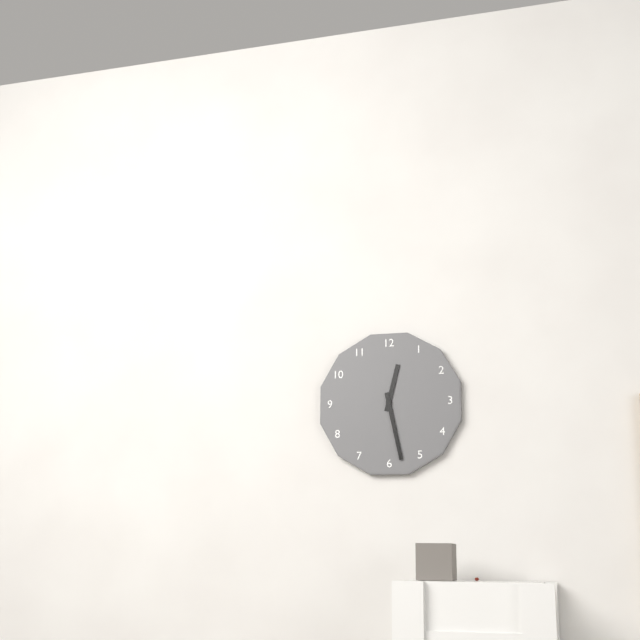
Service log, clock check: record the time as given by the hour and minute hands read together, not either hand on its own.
12:28
